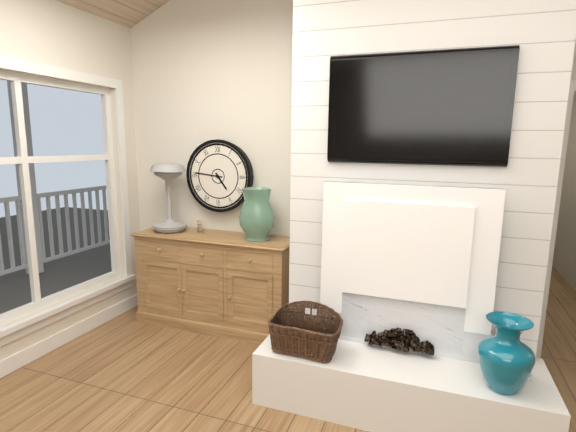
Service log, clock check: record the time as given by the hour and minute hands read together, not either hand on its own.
4:46
